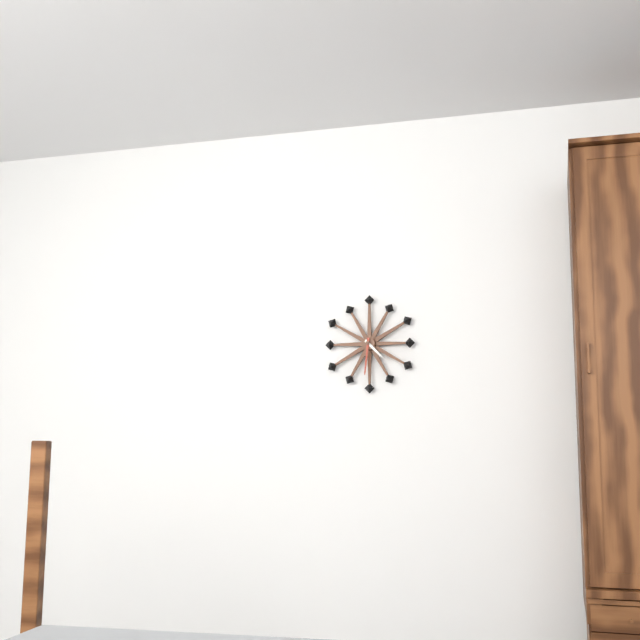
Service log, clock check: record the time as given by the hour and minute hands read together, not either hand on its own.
4:31
